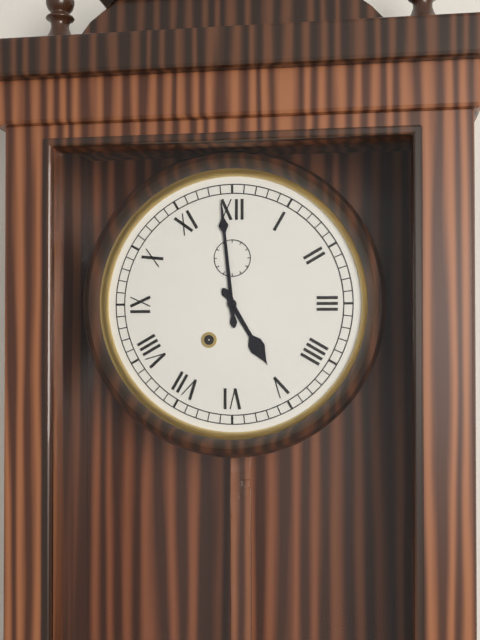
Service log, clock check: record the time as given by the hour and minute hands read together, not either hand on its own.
4:59
